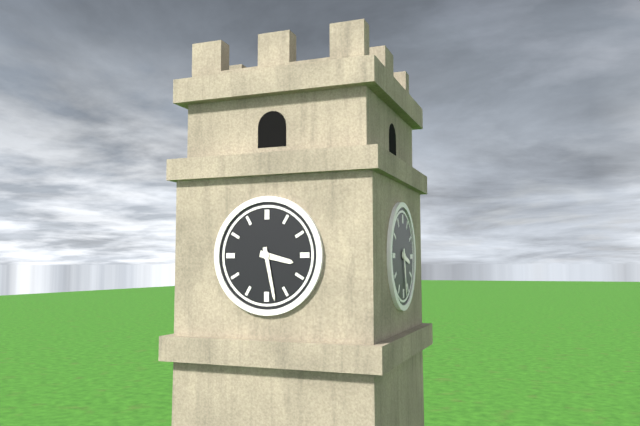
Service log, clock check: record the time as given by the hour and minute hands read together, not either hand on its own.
3:28
